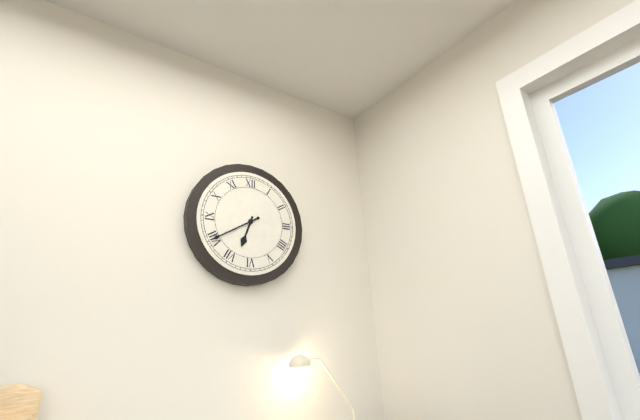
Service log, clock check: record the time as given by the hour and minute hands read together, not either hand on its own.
6:40
